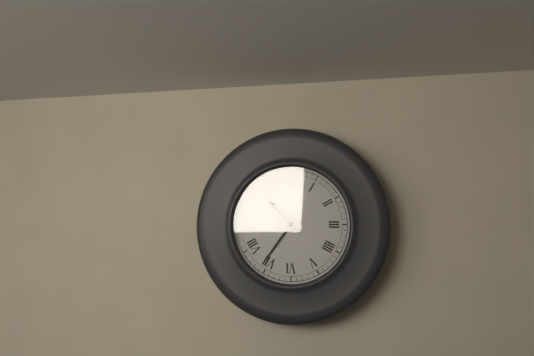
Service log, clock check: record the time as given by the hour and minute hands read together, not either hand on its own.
10:36
